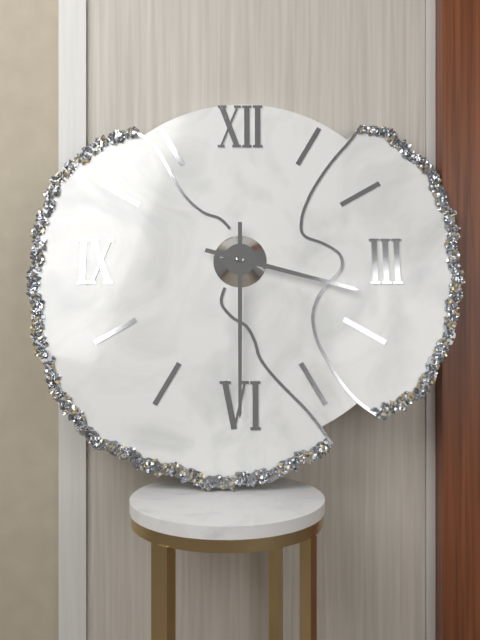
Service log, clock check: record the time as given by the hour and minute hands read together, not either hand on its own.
3:30
